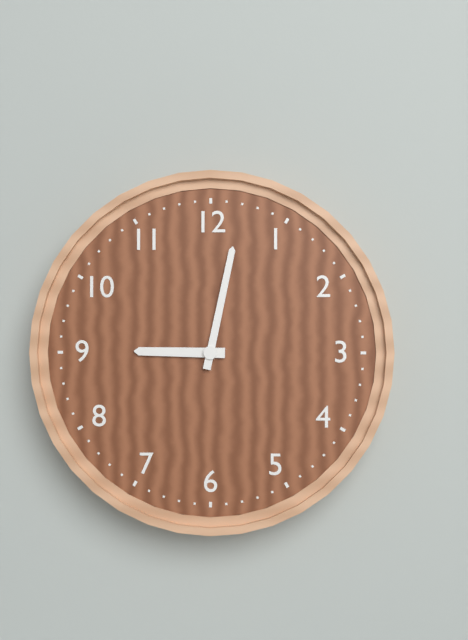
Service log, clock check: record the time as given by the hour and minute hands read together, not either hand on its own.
9:02
